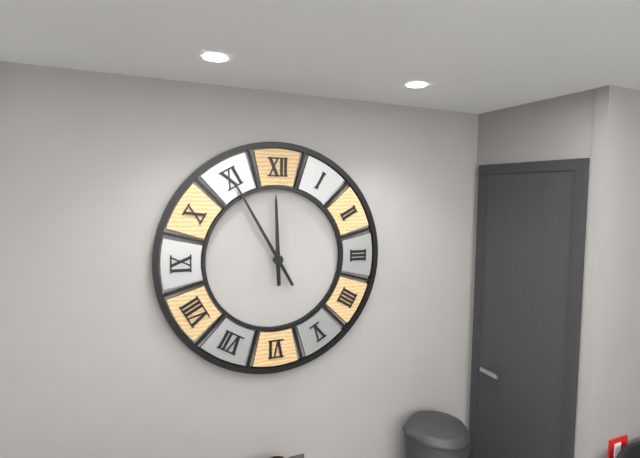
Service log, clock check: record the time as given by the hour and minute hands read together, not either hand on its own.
11:55
